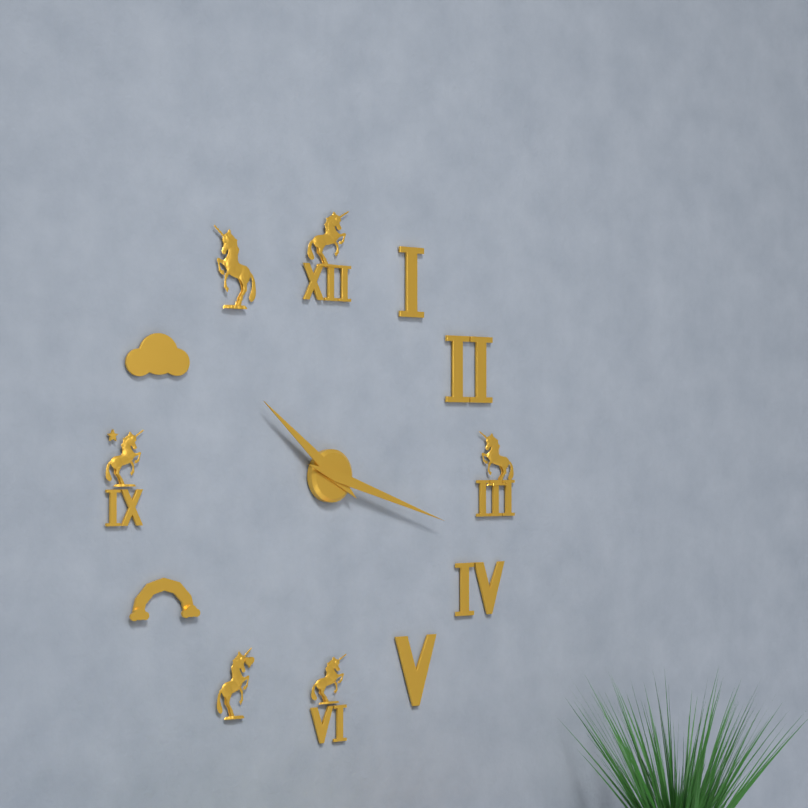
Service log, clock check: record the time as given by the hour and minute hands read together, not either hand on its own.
10:18
